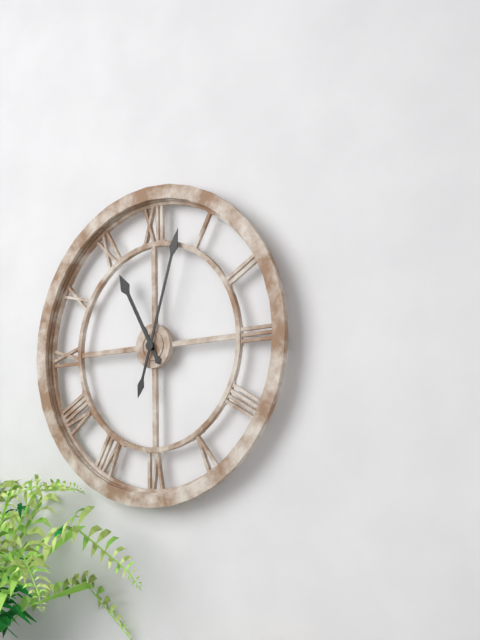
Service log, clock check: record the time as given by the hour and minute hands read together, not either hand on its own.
11:03
